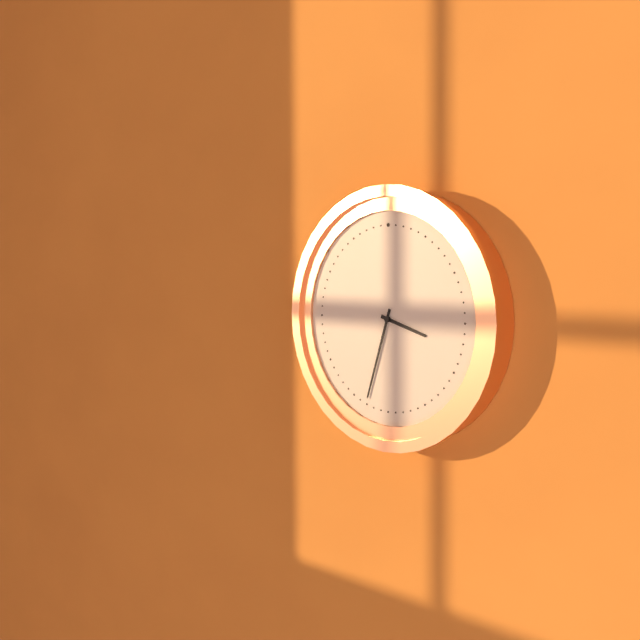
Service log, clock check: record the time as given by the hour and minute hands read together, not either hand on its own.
3:33
